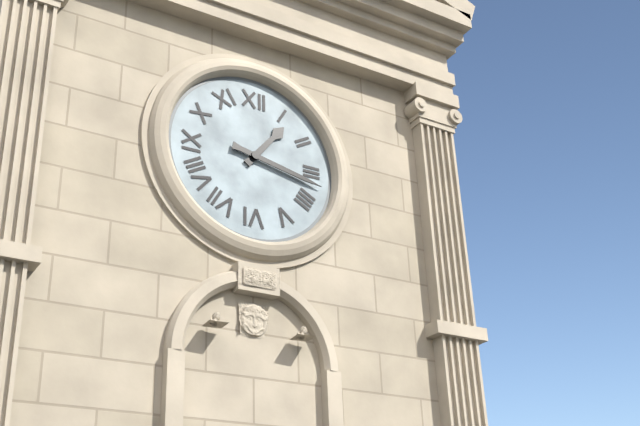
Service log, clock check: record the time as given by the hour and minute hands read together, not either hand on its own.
1:17
